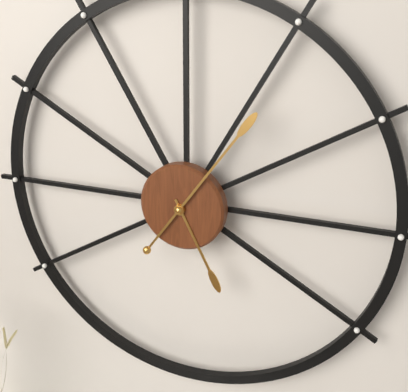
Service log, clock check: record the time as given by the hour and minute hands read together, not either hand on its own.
5:06
